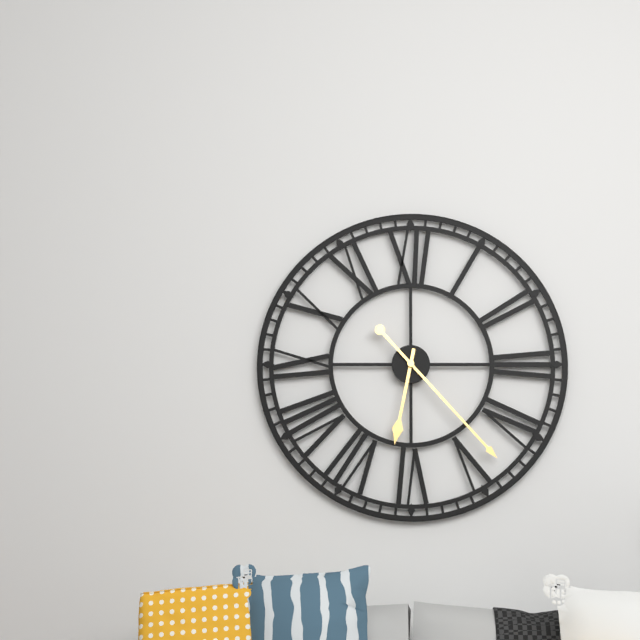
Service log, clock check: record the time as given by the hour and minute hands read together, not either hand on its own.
6:23
